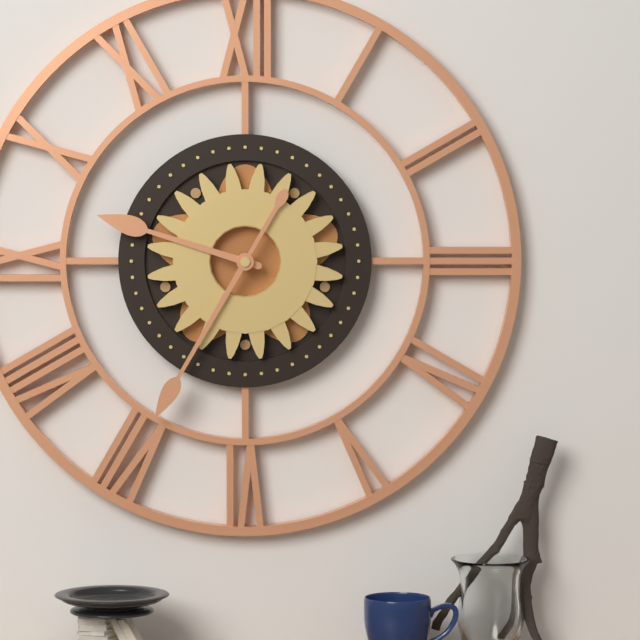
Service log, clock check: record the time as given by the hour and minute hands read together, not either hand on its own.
9:35
